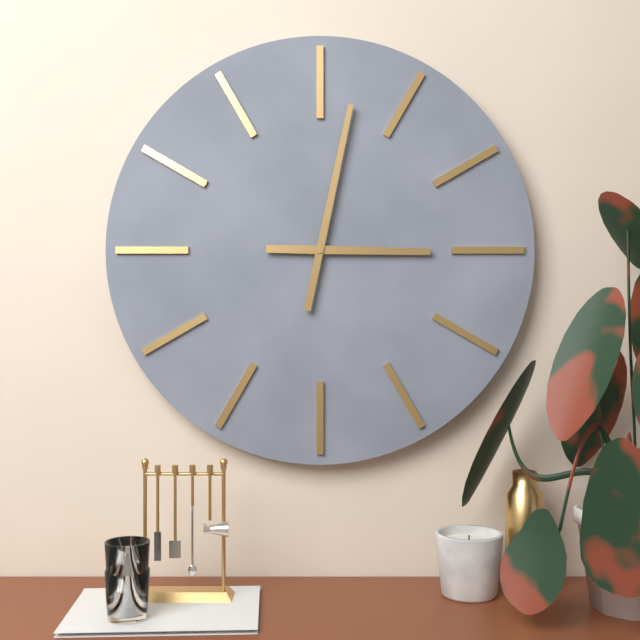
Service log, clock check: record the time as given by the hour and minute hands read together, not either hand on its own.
3:02
